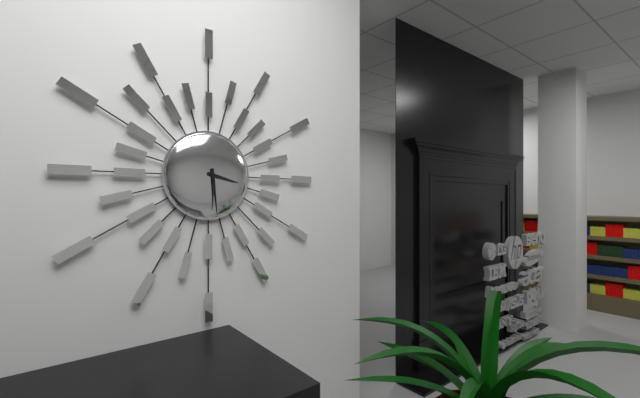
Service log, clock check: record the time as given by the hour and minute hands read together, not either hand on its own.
3:29
